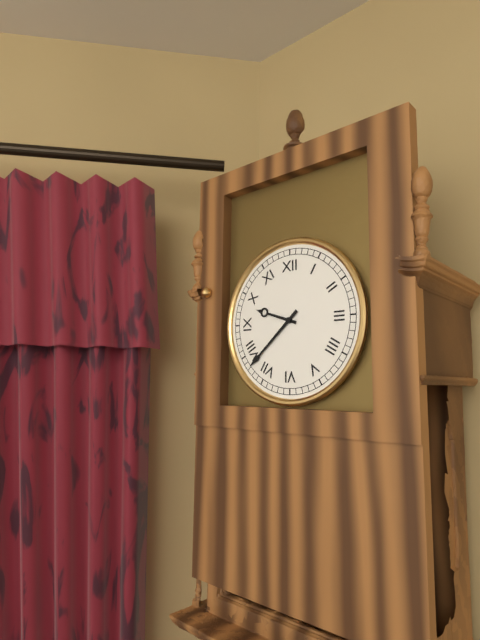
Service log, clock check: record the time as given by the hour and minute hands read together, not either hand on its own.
9:38
